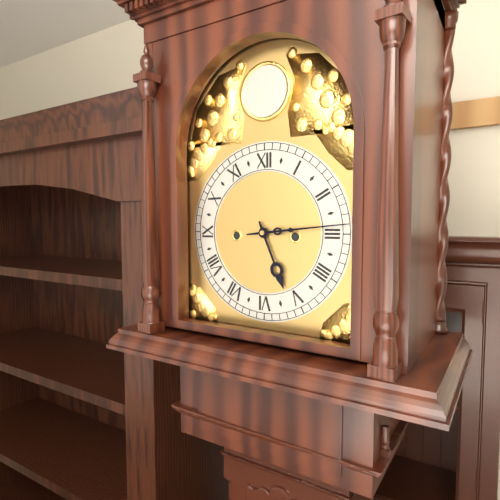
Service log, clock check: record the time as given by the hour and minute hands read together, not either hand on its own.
5:14
